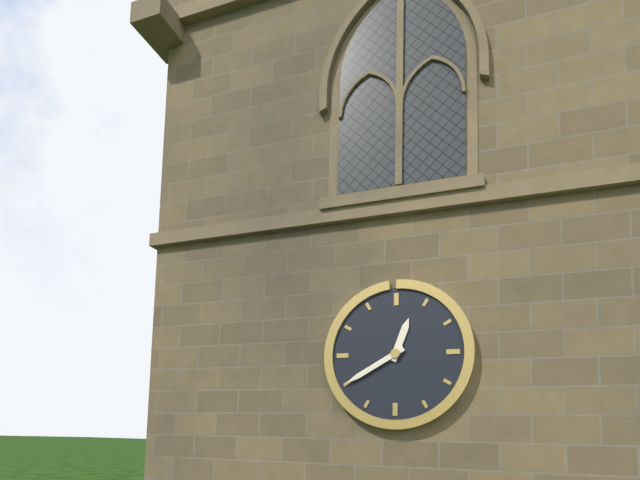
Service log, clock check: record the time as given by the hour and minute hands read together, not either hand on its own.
12:40
